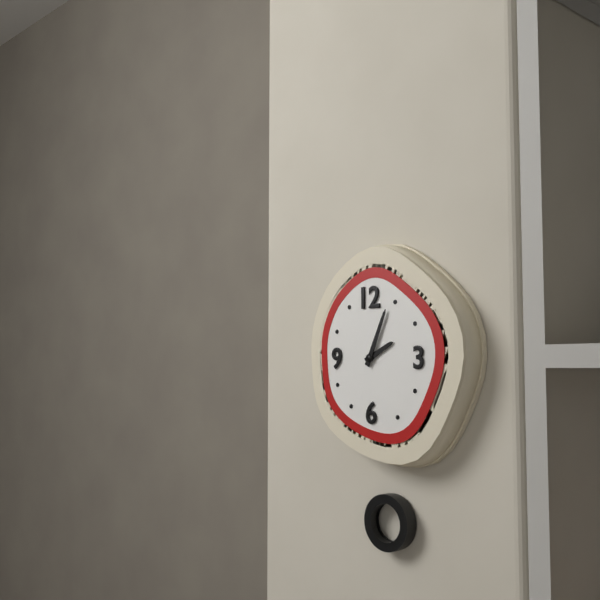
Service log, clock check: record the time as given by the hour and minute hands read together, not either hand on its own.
2:04
